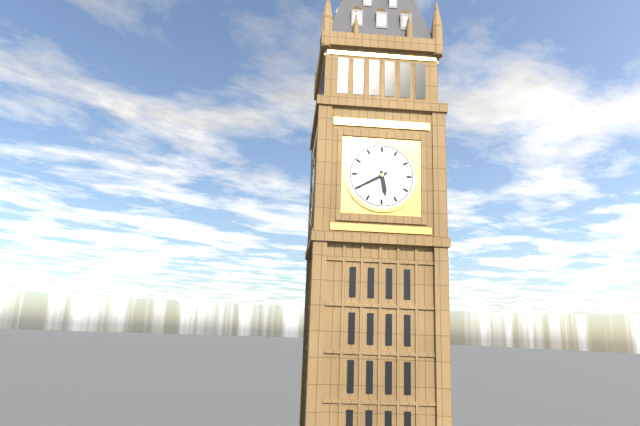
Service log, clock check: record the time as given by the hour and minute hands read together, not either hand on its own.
5:40
